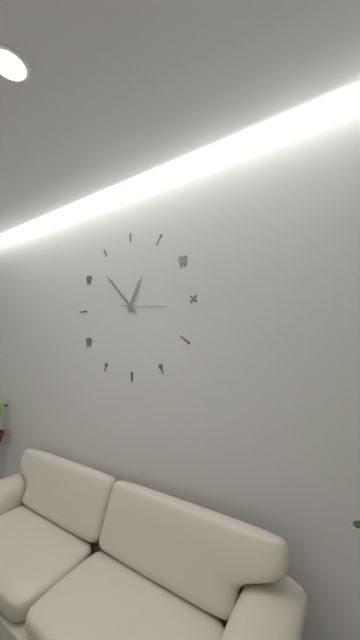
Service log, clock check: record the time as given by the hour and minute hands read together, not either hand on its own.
12:53
